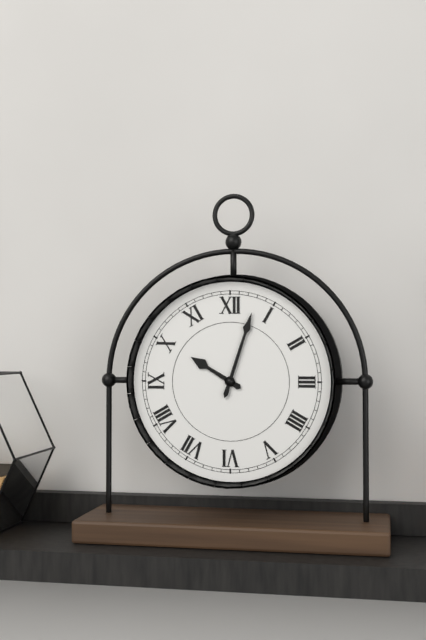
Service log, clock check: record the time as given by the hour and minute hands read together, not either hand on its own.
10:03
